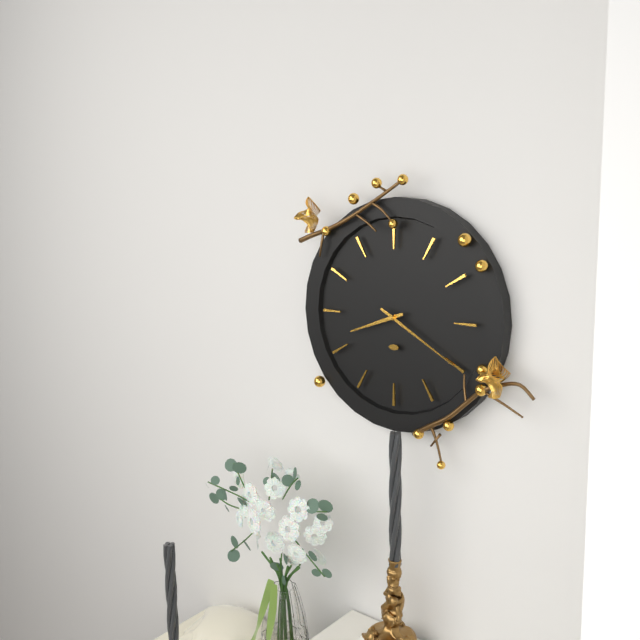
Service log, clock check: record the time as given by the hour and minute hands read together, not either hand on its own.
8:20
